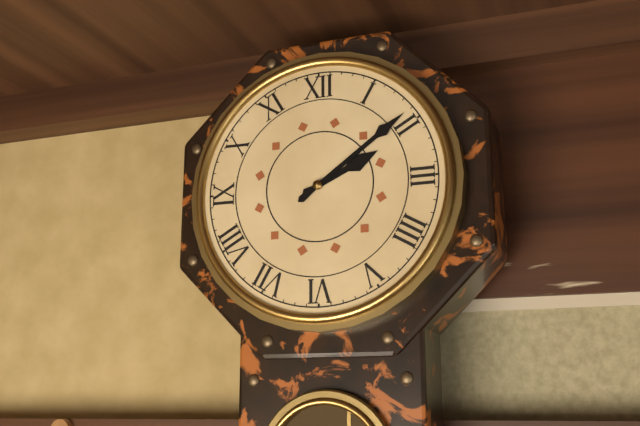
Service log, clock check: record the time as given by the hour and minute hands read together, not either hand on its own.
2:09
